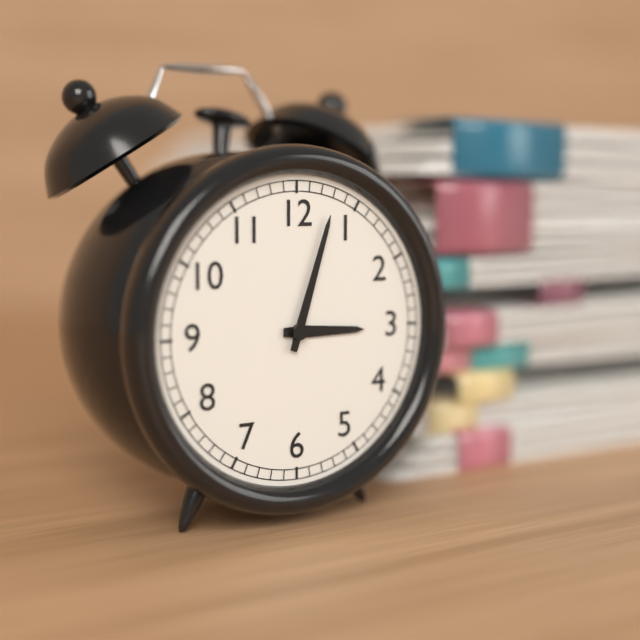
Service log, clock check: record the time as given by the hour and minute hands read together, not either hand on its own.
3:03
